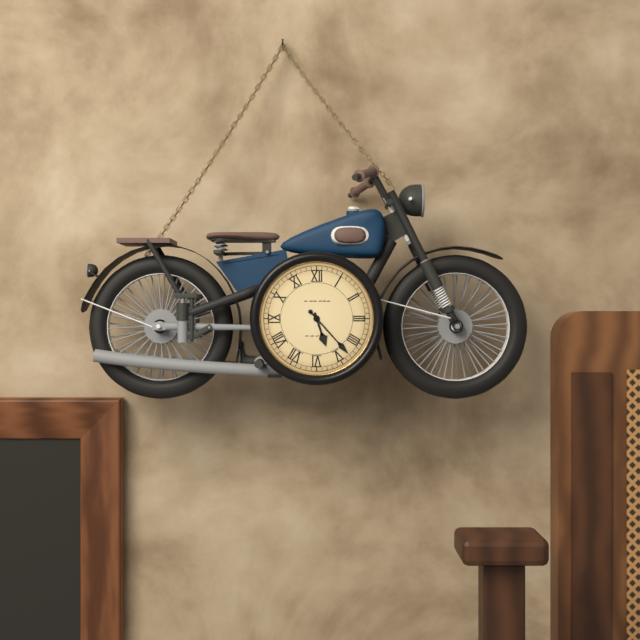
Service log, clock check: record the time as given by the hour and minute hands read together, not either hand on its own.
5:23
